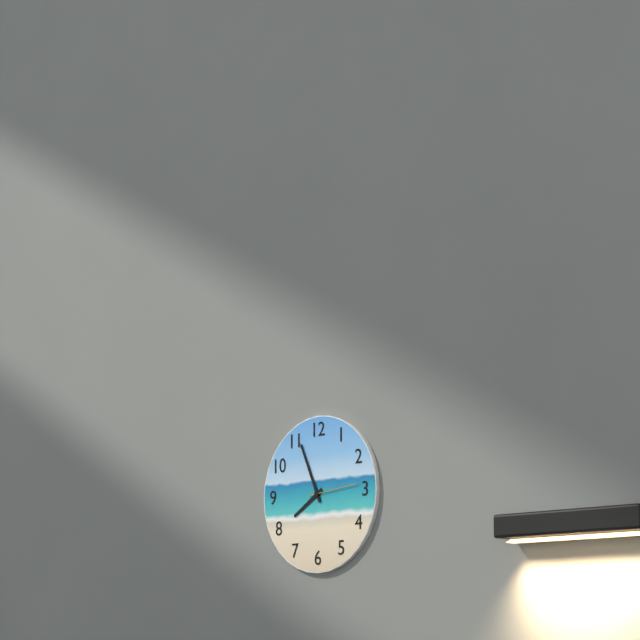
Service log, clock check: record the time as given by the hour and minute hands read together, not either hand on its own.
7:56
